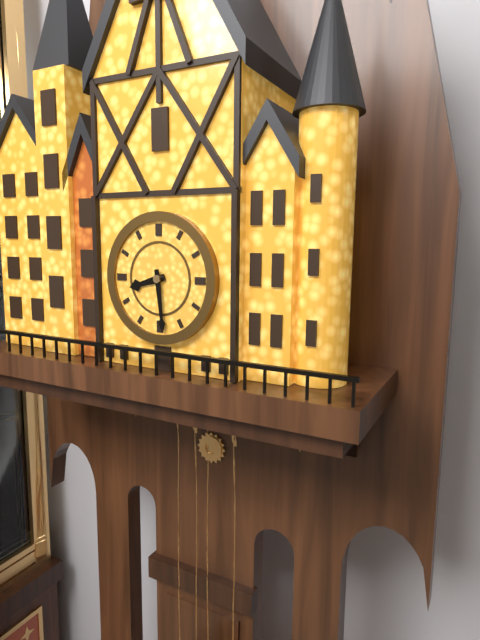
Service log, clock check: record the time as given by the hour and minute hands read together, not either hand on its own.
8:29
